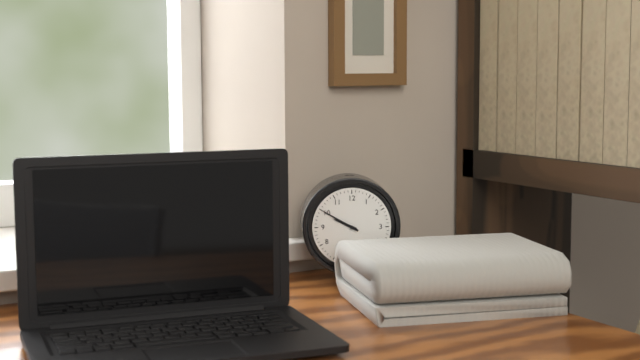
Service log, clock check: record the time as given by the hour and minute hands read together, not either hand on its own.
9:50
